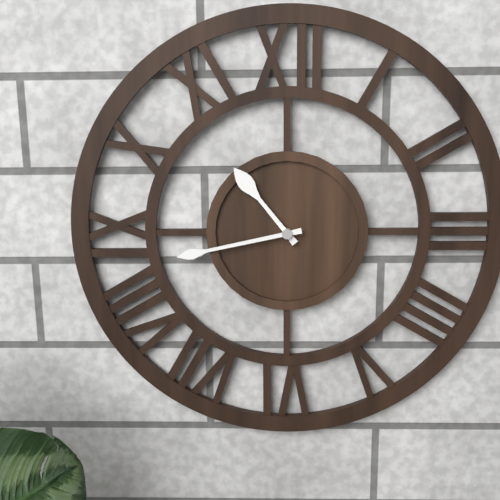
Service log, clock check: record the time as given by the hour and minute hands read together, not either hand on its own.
10:43
